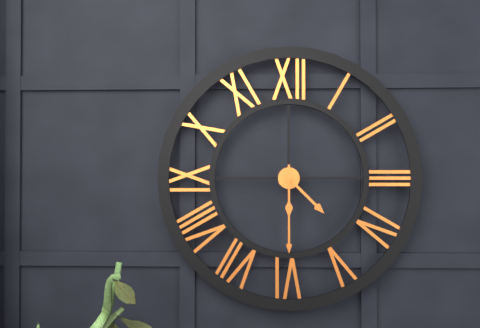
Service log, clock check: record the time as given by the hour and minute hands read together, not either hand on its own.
4:30
